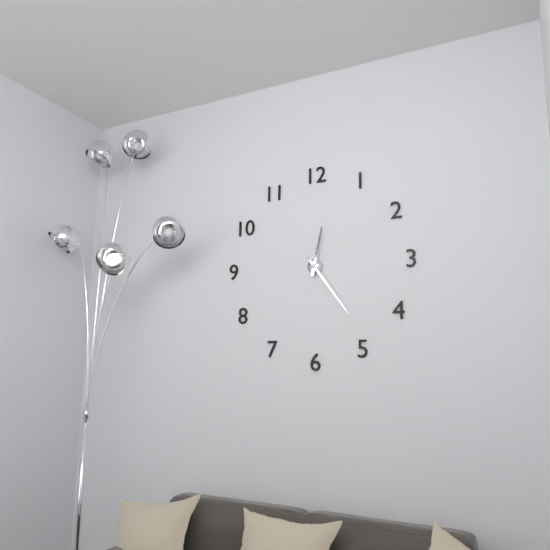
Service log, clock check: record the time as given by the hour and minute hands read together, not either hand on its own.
12:24
